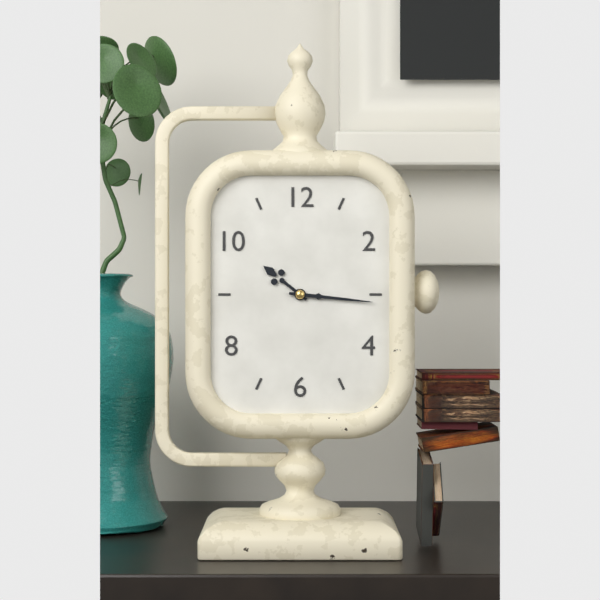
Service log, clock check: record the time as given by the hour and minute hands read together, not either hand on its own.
10:16
